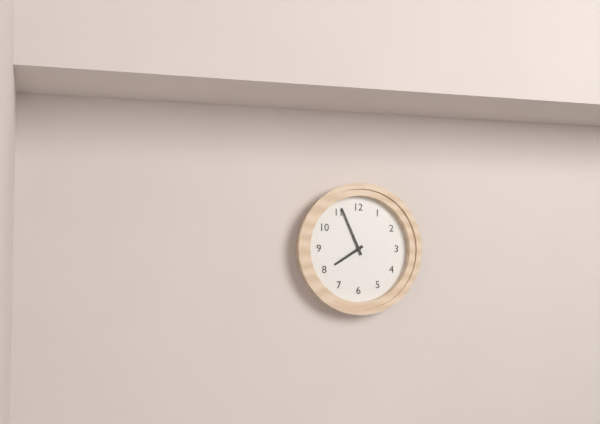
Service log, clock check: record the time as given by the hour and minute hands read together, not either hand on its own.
7:56
